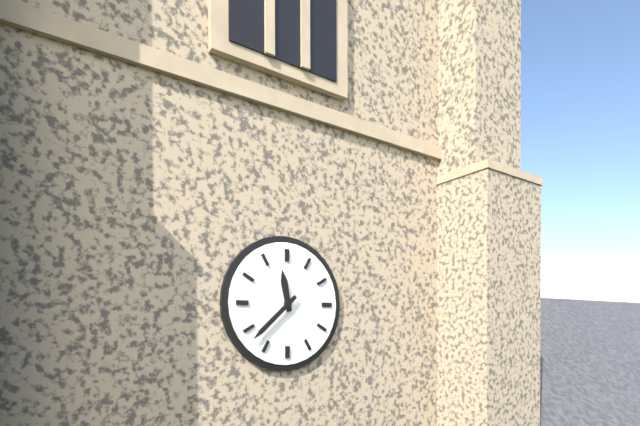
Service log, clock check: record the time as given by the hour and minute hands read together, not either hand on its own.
11:38
